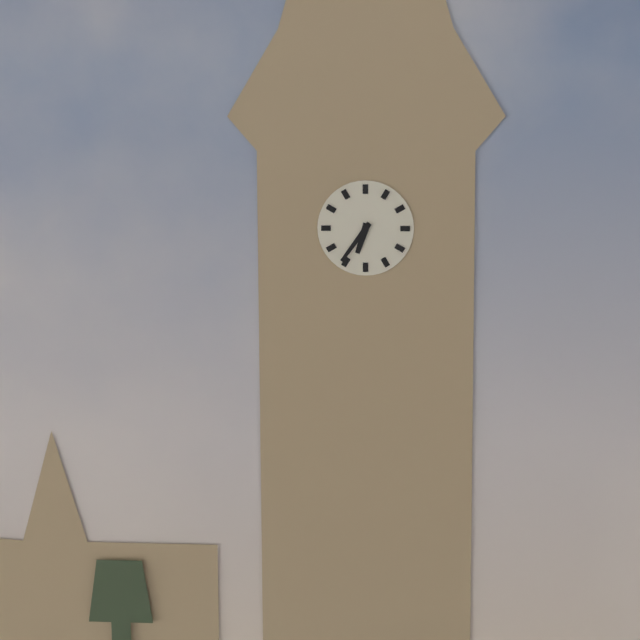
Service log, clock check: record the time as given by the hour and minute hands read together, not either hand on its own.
6:36
